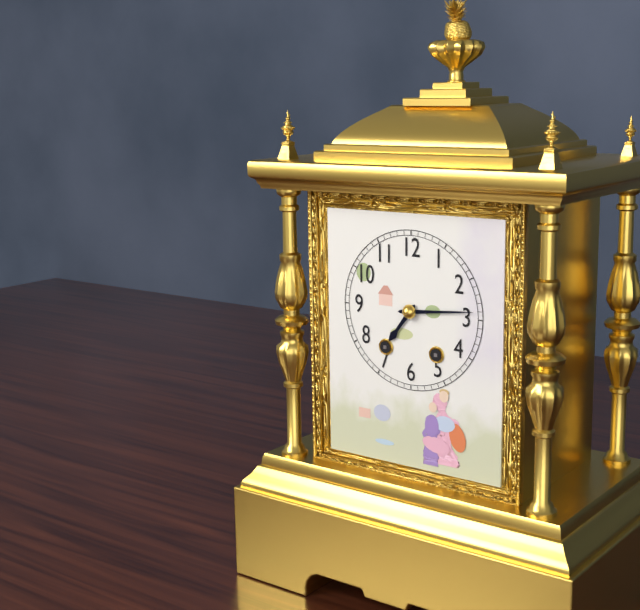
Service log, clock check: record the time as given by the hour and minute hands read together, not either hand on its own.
7:14
